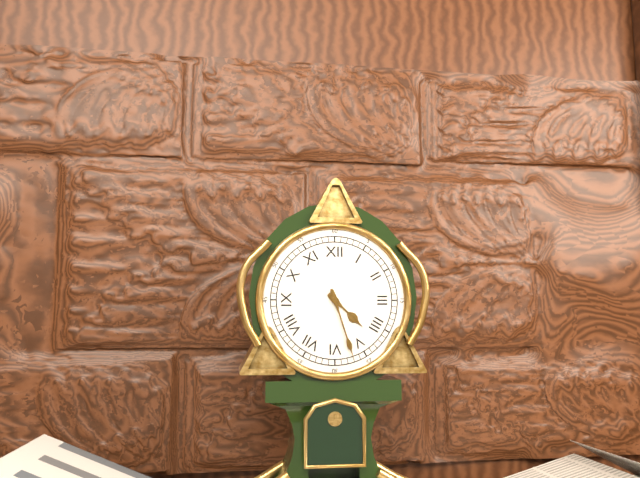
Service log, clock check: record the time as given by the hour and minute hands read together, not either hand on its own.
4:27
